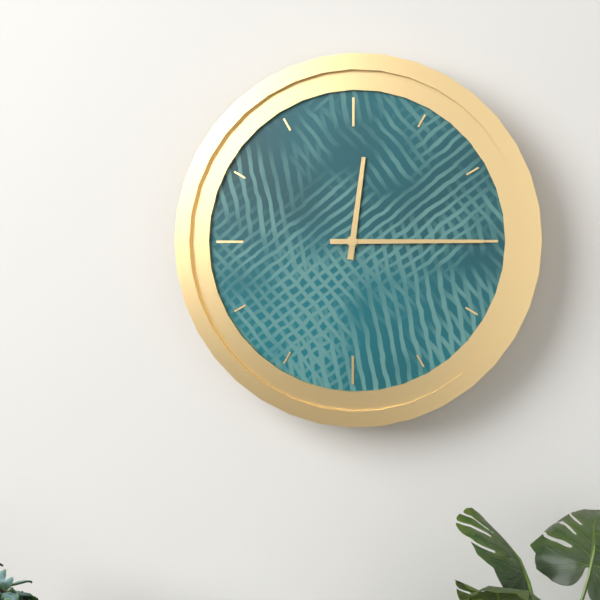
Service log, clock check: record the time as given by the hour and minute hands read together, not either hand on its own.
12:15
